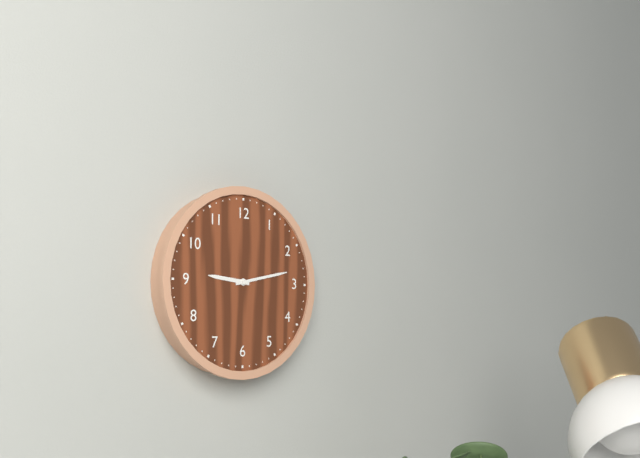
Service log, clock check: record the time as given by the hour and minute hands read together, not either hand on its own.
9:13
